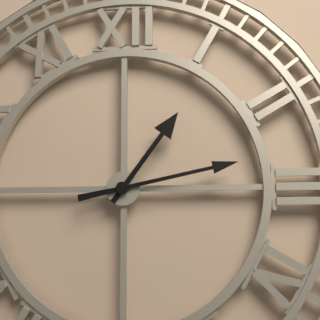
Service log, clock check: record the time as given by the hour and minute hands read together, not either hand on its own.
1:13
